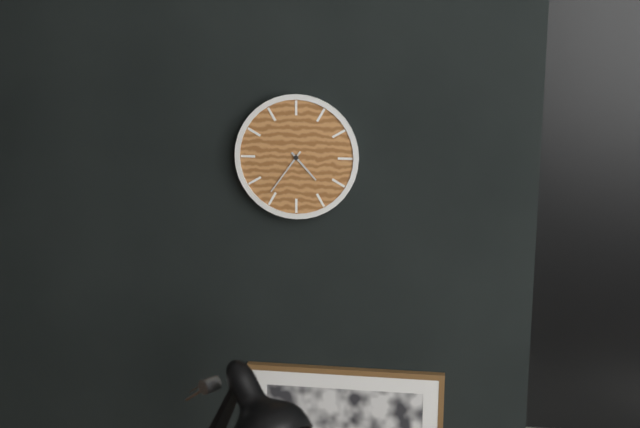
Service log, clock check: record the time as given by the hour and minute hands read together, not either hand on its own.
4:36
